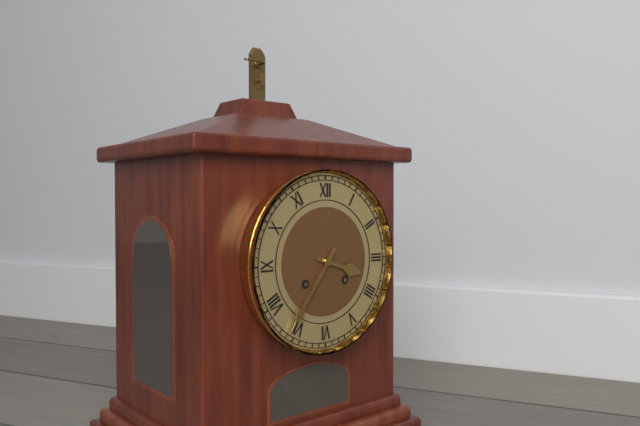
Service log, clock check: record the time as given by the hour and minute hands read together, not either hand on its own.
3:36
